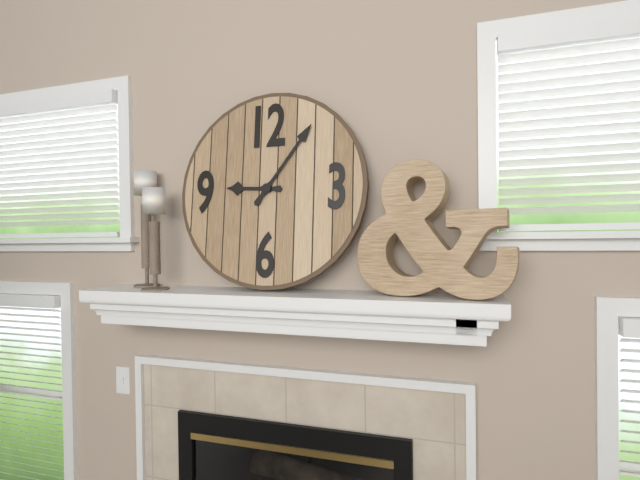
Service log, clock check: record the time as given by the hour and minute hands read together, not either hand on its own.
9:06
